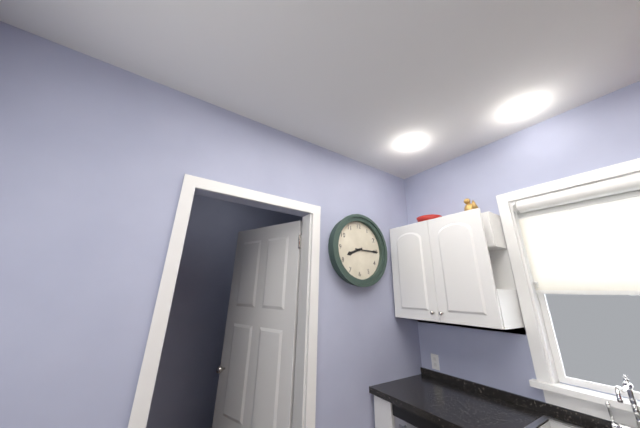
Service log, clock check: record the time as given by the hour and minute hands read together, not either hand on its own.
8:15
